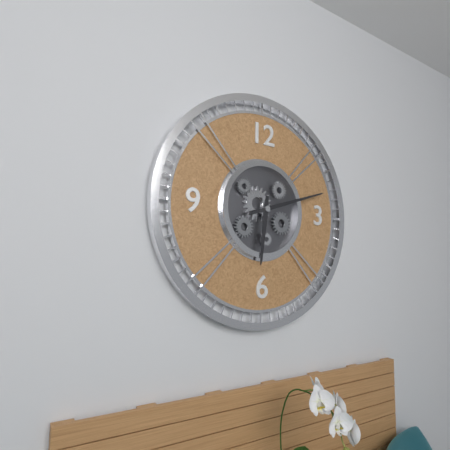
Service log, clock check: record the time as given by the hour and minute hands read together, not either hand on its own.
6:12
